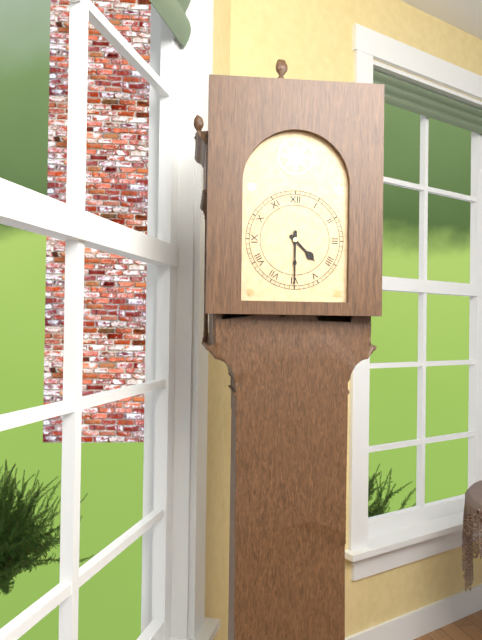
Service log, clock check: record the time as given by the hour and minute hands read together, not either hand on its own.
4:30
